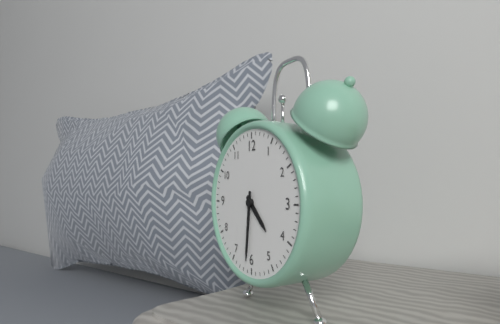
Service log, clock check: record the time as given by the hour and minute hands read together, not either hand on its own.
4:31
